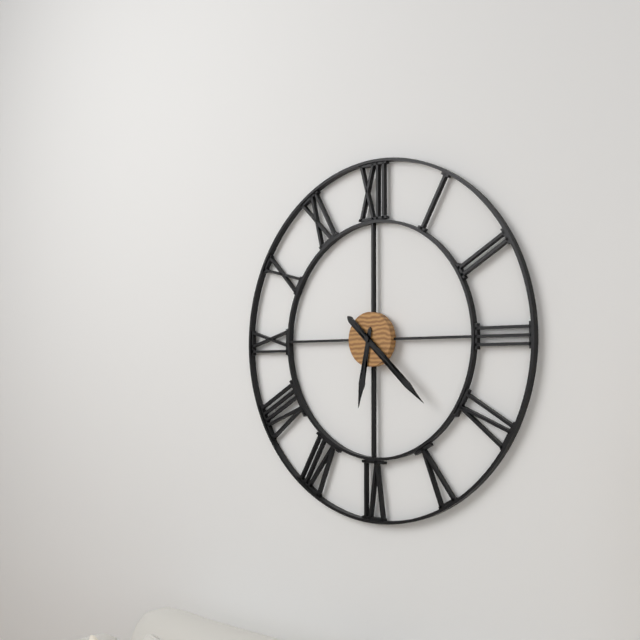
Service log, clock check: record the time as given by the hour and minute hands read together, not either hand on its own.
6:22
